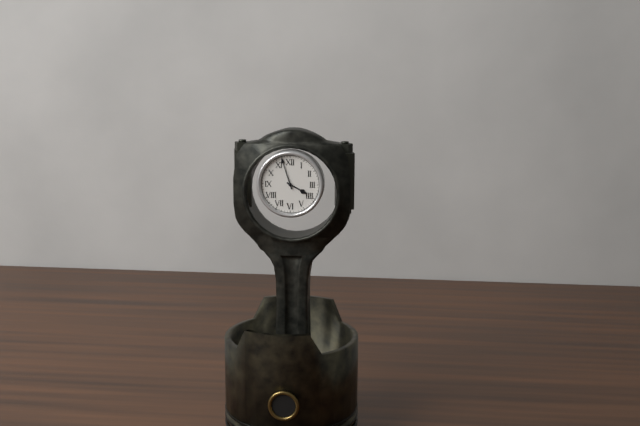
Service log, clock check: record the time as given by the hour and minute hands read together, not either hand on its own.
3:57
